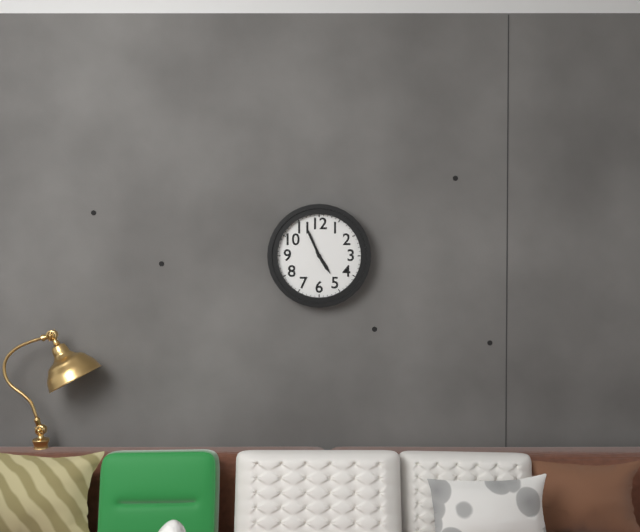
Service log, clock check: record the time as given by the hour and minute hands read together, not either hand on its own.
4:56
